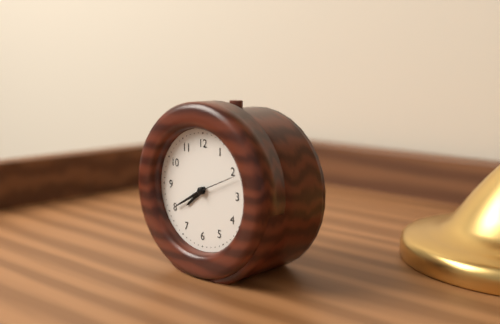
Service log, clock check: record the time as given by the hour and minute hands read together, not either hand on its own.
7:40
